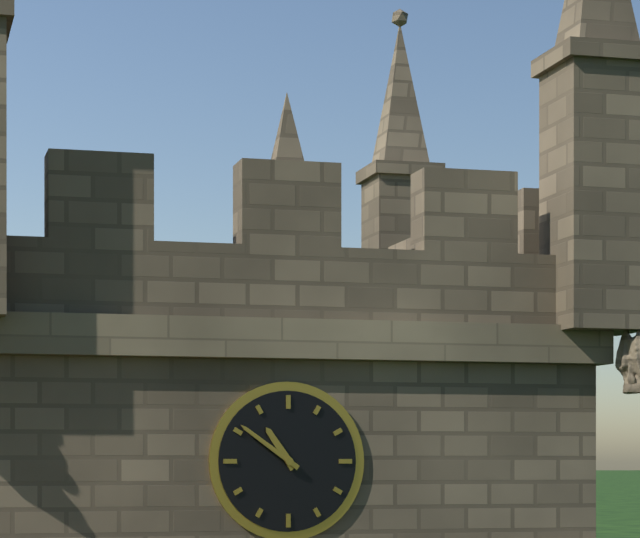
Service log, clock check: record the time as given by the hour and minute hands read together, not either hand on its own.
10:51
